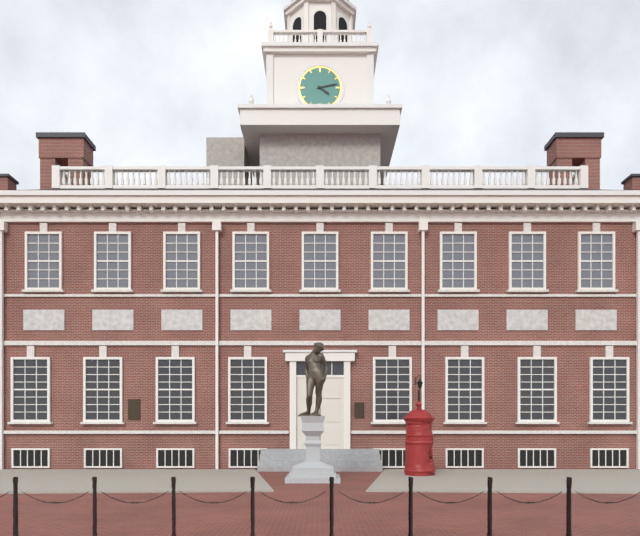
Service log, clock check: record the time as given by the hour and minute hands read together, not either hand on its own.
4:13
